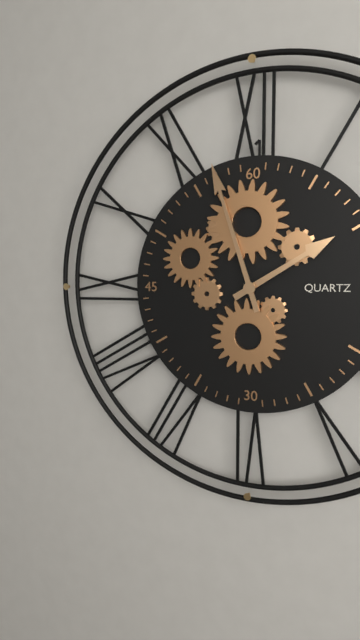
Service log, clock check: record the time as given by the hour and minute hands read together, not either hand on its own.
1:57
